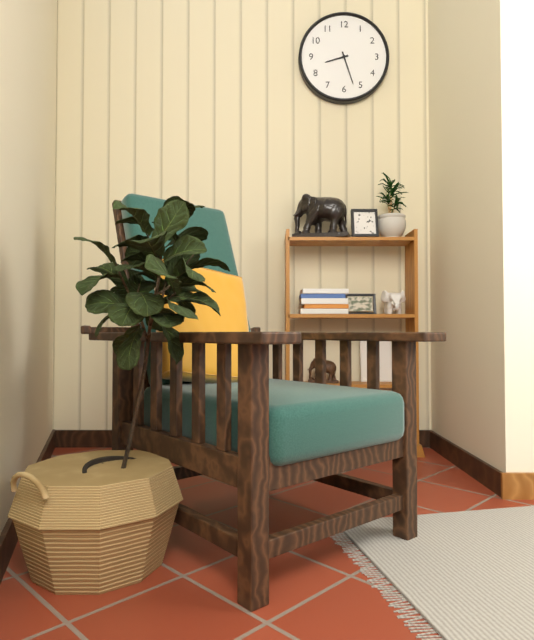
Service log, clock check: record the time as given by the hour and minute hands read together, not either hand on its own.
8:27
